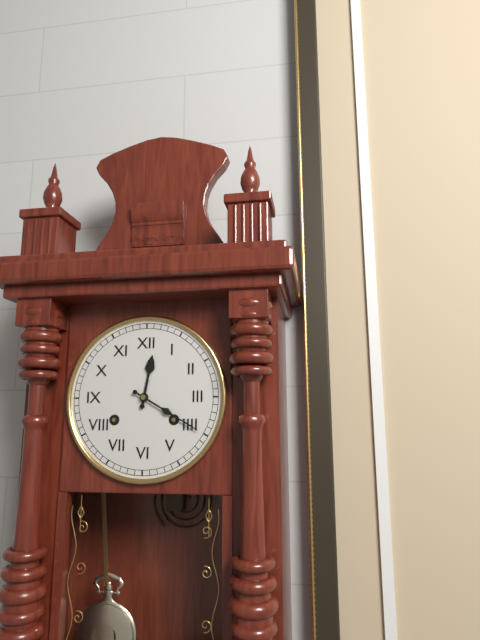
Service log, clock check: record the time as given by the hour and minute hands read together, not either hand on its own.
12:20
